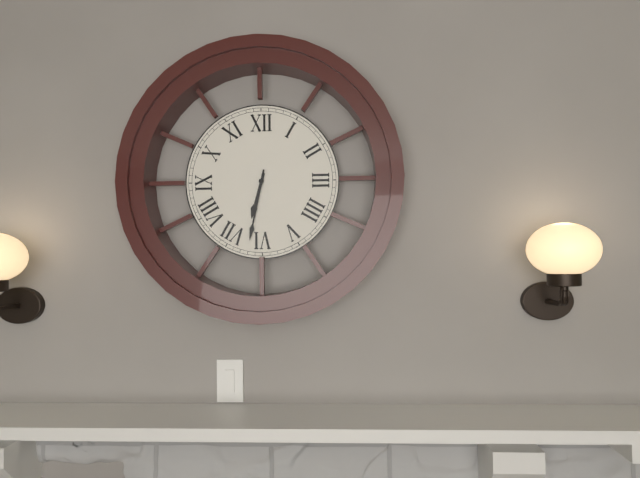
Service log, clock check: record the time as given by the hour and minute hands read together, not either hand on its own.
6:32
